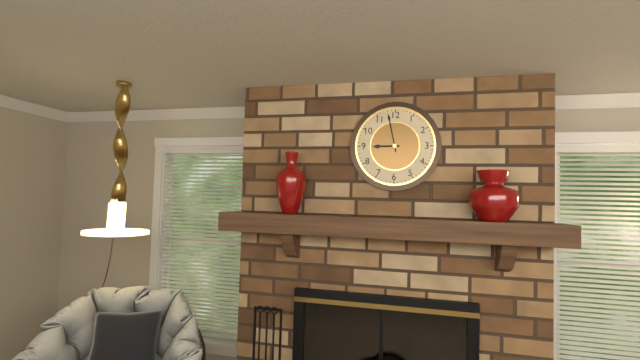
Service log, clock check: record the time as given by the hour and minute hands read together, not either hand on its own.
8:58
